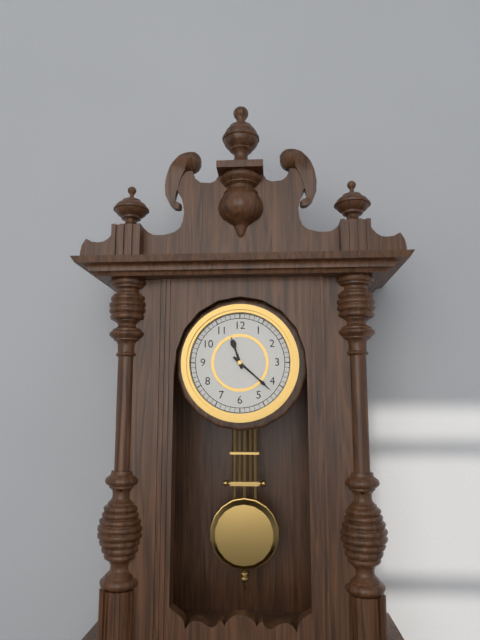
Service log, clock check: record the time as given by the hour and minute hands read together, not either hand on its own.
11:22
